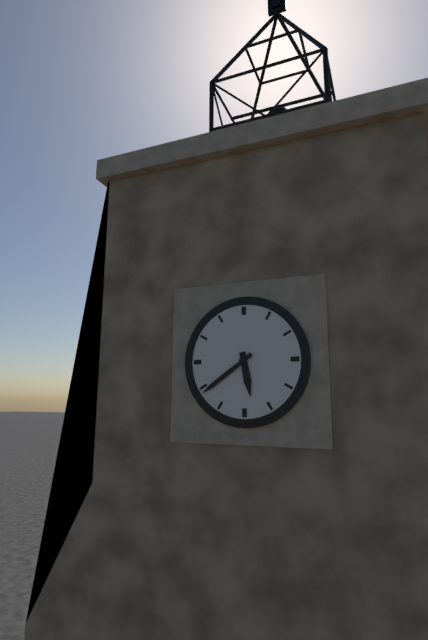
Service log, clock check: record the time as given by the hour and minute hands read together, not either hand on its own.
5:39
